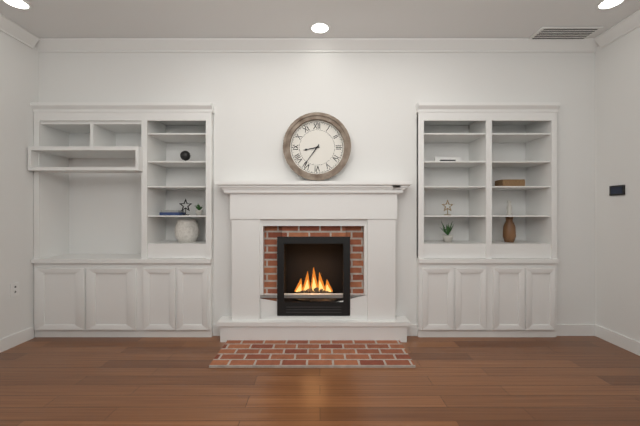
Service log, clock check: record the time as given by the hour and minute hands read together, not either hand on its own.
8:36
